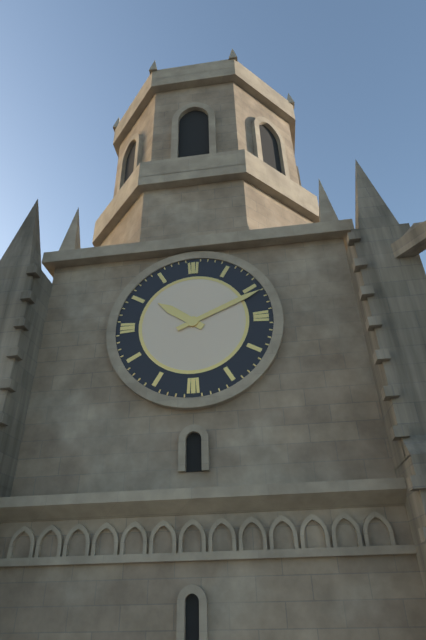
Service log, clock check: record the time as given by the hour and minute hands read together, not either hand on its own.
10:11
